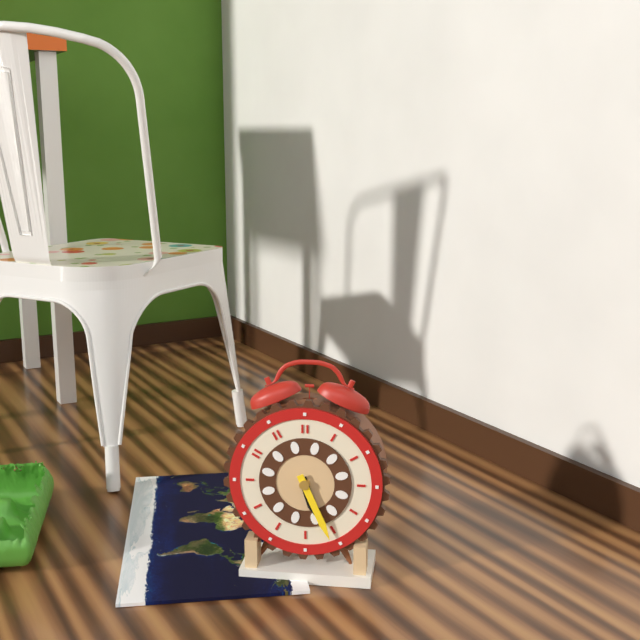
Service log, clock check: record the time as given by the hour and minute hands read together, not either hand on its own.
5:26
